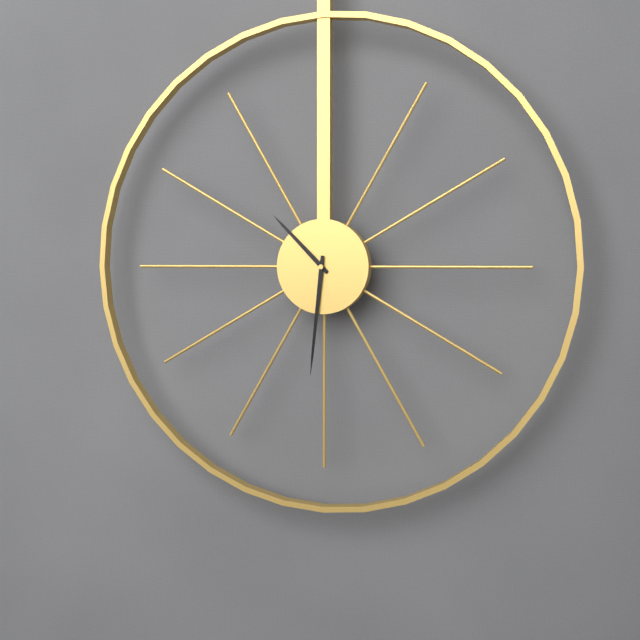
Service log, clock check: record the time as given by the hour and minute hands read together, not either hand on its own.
10:31
